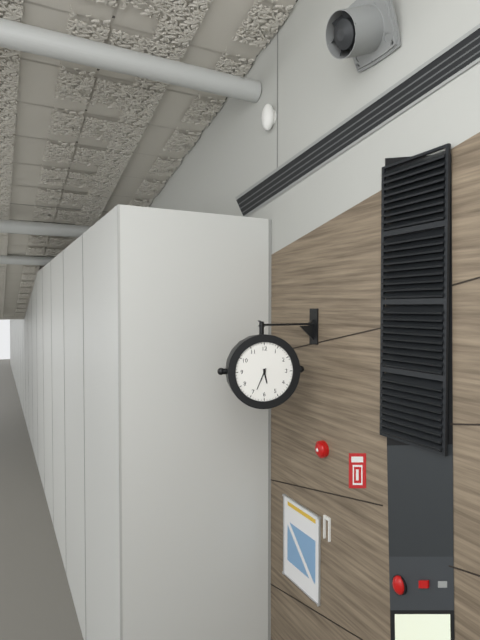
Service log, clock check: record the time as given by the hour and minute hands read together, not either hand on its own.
5:34
